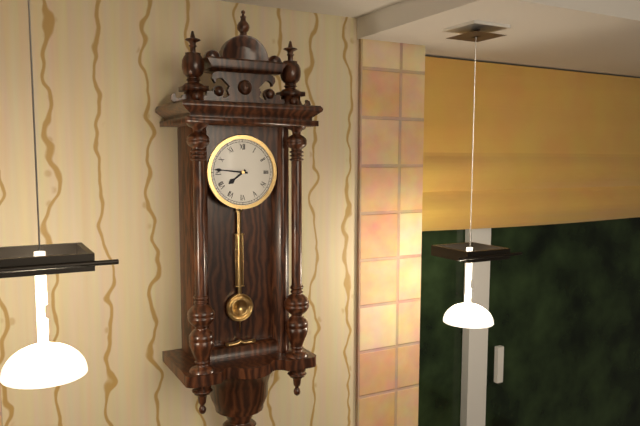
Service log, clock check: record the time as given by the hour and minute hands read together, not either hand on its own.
7:46
